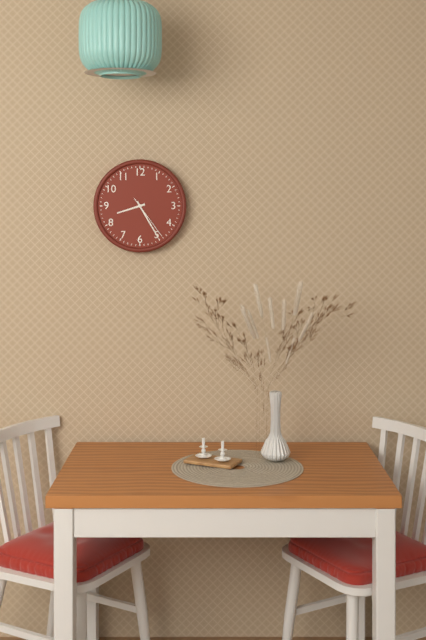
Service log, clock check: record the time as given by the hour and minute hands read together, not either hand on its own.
8:25
